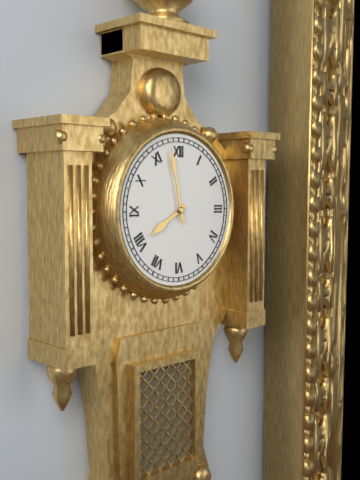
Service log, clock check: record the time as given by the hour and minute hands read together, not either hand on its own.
7:58
